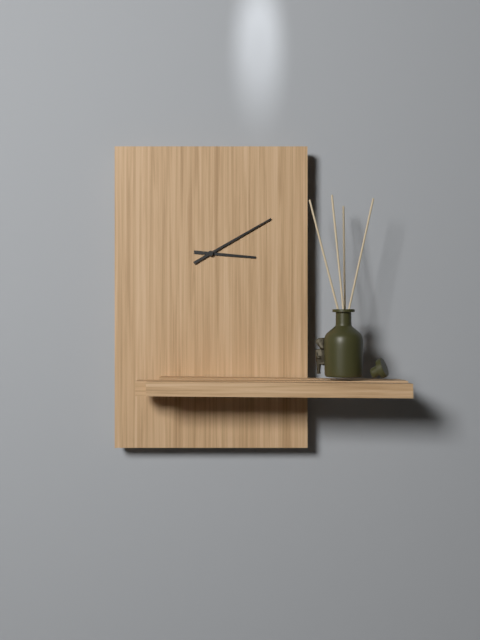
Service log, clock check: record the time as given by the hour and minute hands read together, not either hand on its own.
3:10
